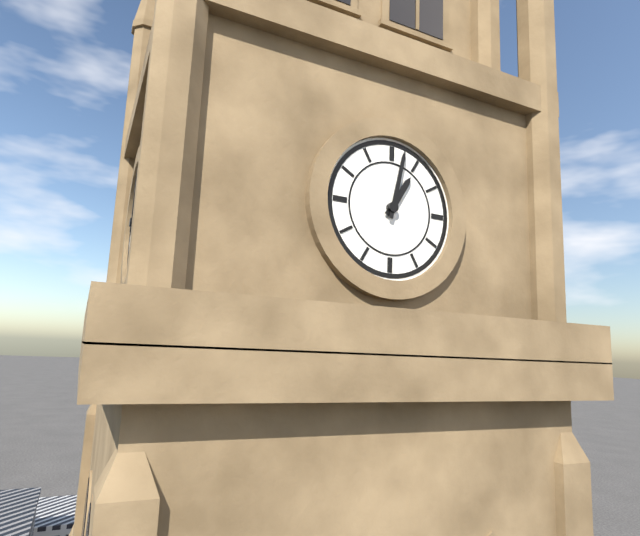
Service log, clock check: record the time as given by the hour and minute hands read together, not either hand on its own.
1:02
